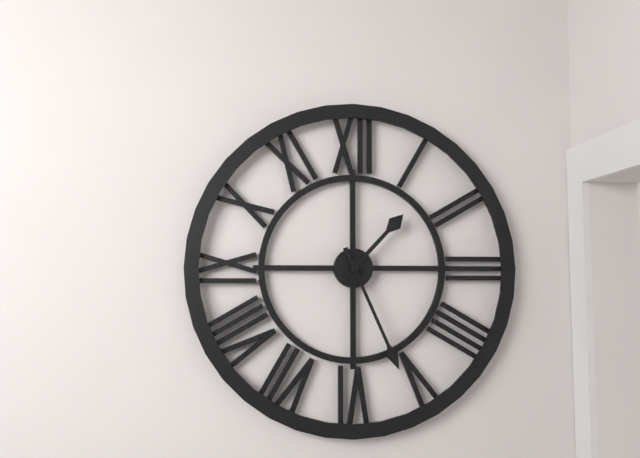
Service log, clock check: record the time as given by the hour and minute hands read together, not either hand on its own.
1:26
